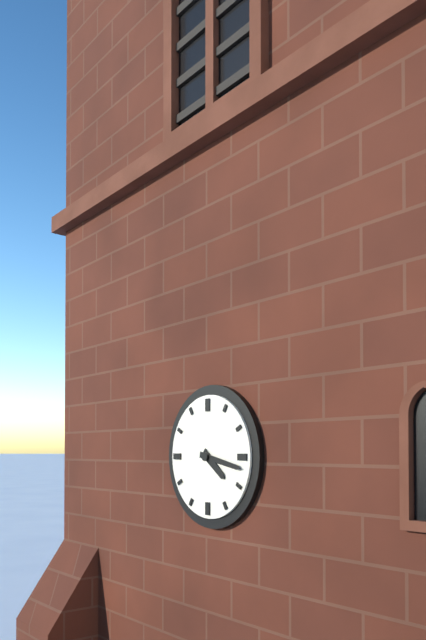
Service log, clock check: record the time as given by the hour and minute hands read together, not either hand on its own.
4:17
